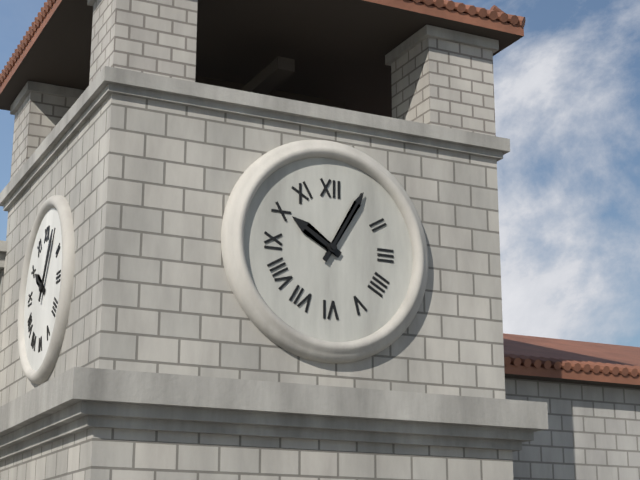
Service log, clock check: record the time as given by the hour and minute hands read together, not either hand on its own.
10:05
